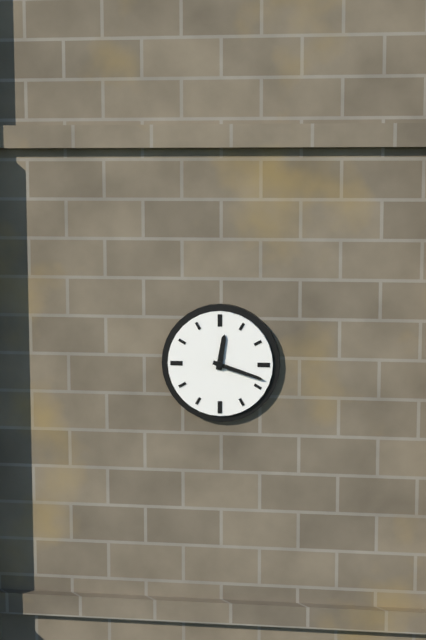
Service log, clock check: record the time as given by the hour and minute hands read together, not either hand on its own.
12:18
